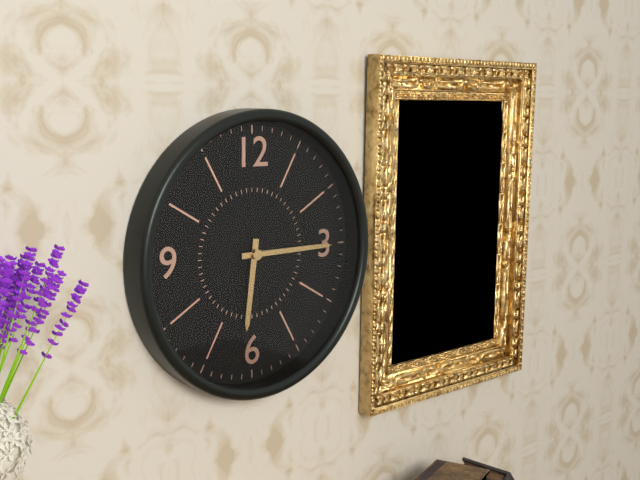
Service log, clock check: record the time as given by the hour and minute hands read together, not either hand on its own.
6:15
